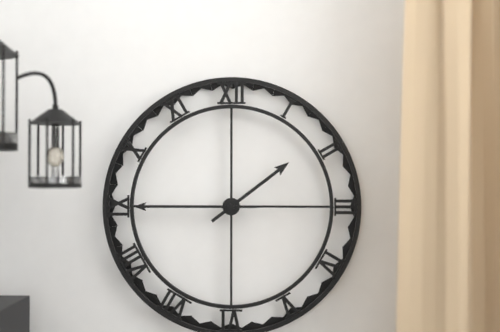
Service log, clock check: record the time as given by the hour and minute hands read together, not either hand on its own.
1:45
